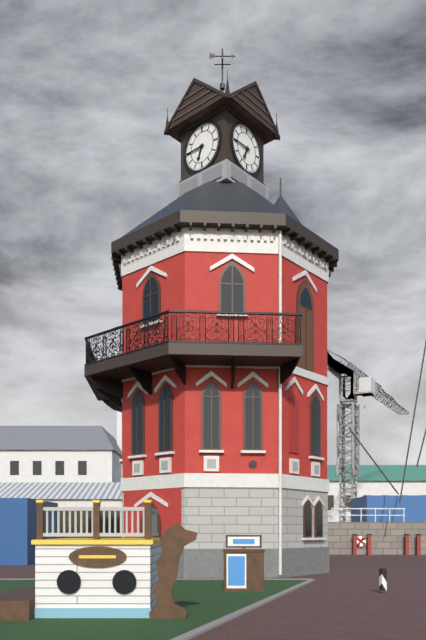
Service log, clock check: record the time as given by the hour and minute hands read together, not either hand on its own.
6:45
